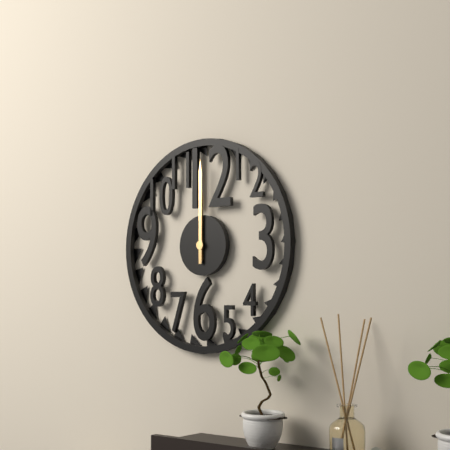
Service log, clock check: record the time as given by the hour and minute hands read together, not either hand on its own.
12:00
